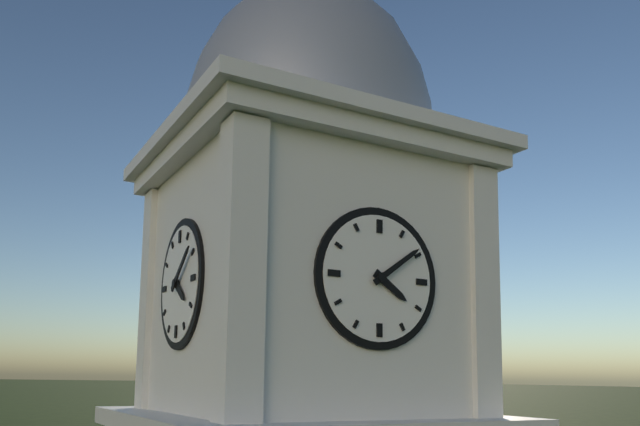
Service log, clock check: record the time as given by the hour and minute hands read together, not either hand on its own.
4:09
